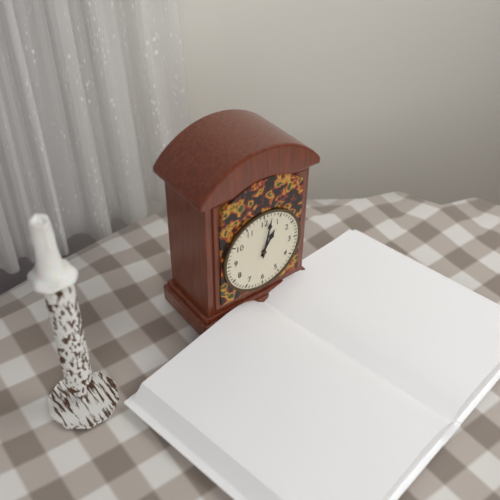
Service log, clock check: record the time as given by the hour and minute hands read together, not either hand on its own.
1:02
